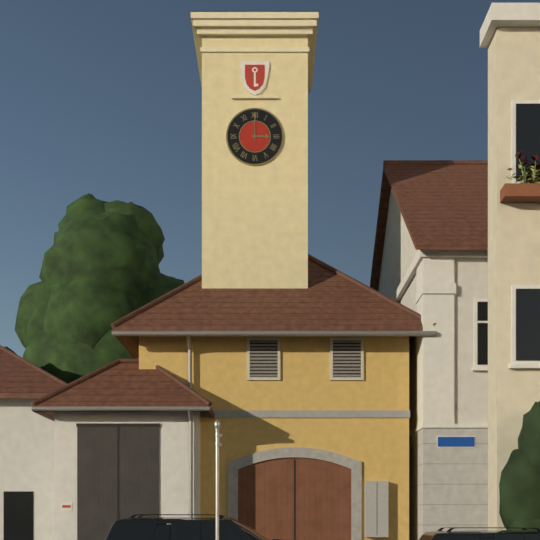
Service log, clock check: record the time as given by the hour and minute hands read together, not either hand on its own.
3:00
